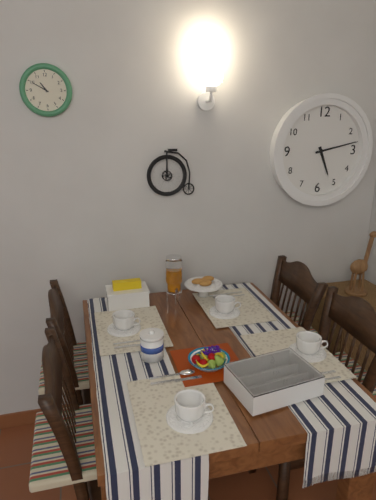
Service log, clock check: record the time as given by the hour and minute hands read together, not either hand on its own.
5:13
